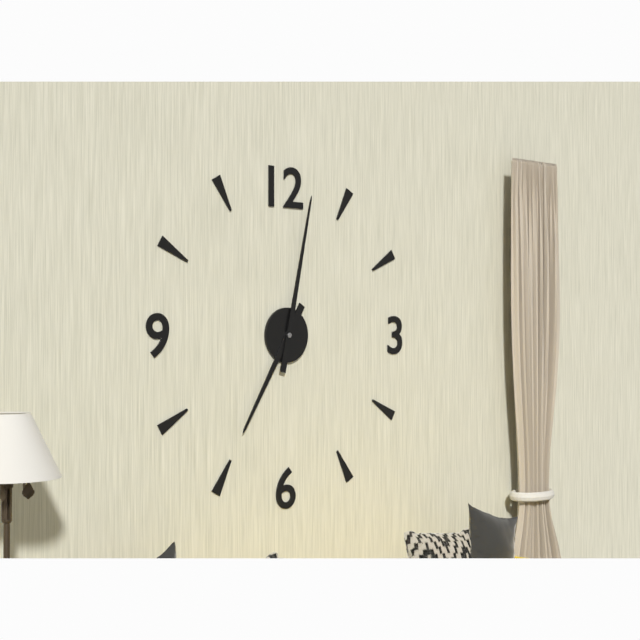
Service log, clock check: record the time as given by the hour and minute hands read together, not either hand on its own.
7:02
